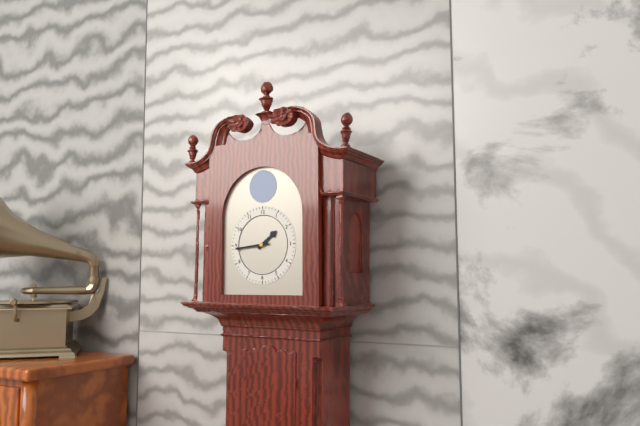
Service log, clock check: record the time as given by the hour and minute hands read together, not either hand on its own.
1:44
